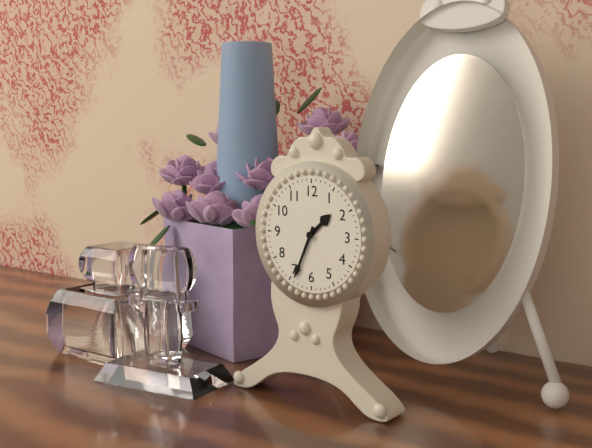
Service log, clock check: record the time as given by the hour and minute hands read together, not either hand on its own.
1:34
